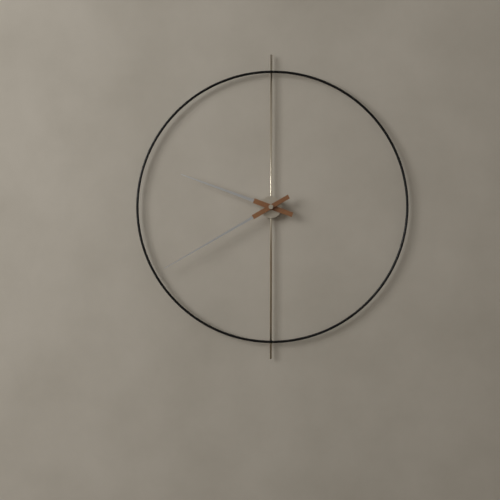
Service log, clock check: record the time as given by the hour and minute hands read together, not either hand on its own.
9:40
